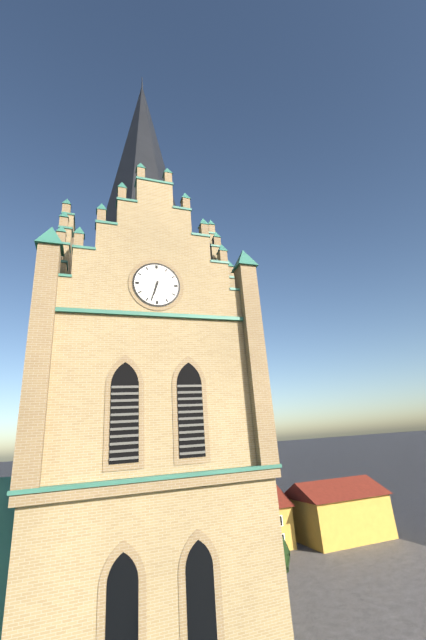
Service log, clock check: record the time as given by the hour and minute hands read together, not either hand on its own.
6:33
